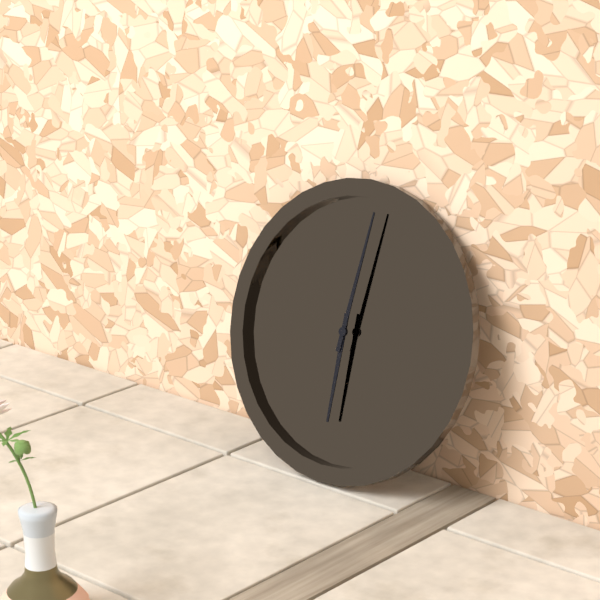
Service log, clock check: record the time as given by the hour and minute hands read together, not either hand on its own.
6:01
